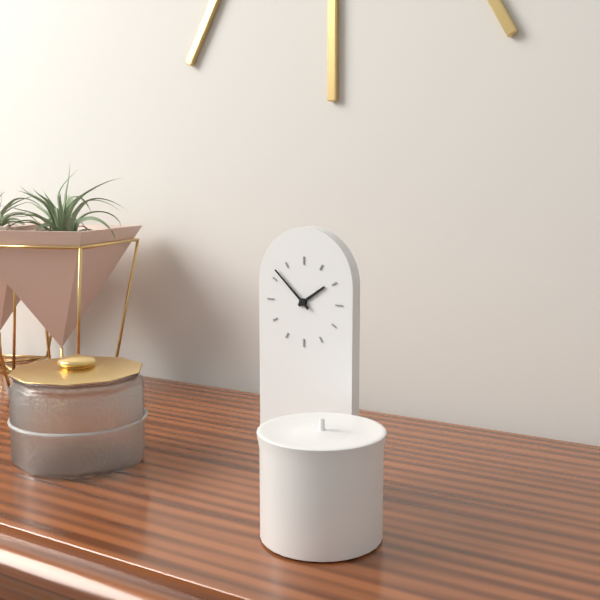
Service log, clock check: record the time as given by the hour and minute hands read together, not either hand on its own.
1:52
